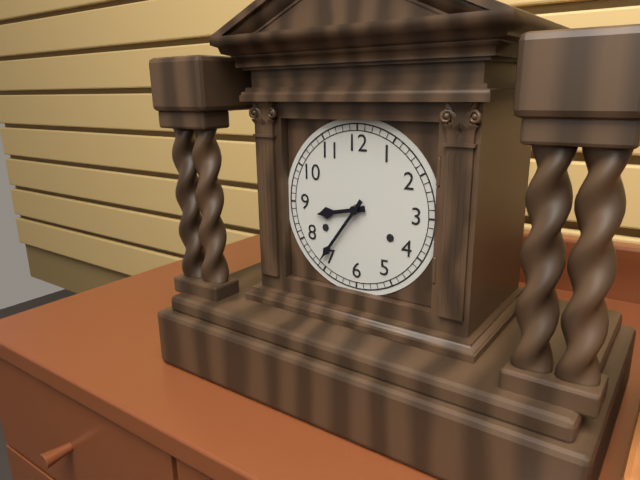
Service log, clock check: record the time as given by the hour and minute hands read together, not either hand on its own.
8:36
